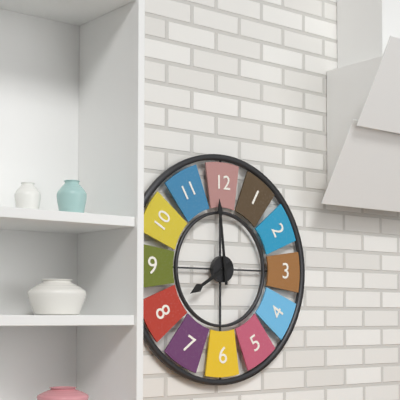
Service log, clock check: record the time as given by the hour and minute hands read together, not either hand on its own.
7:59
